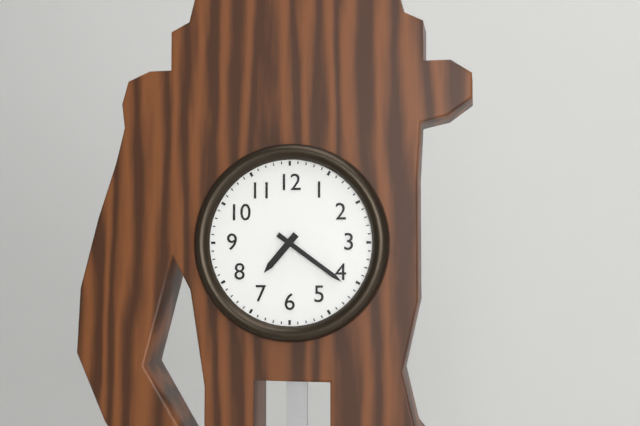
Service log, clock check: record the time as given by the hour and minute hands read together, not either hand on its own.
7:21
